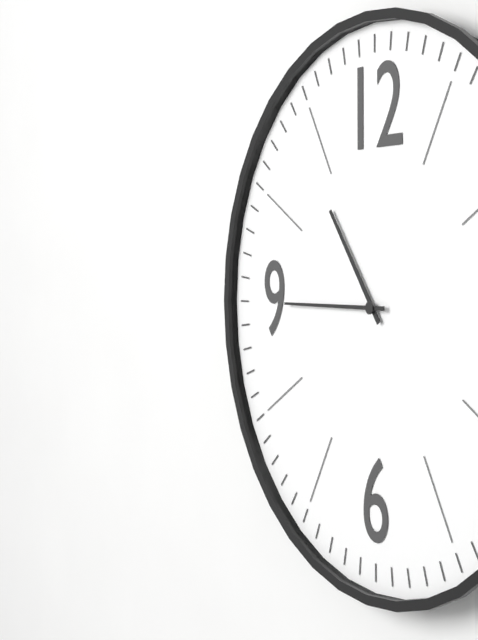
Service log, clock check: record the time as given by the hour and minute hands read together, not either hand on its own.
10:45
